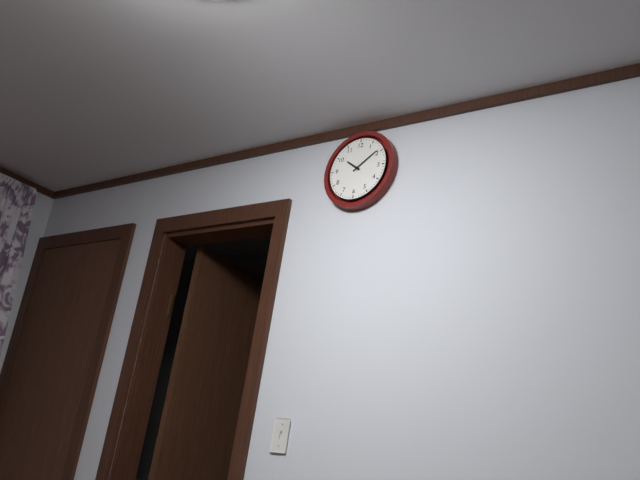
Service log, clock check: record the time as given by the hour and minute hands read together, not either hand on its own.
10:09
